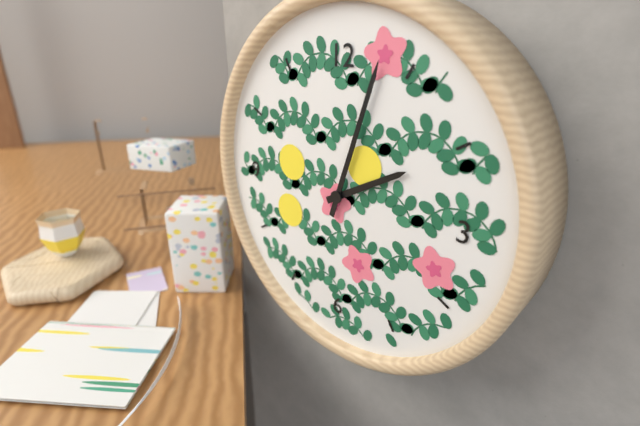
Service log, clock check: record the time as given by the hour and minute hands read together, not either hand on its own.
2:03
